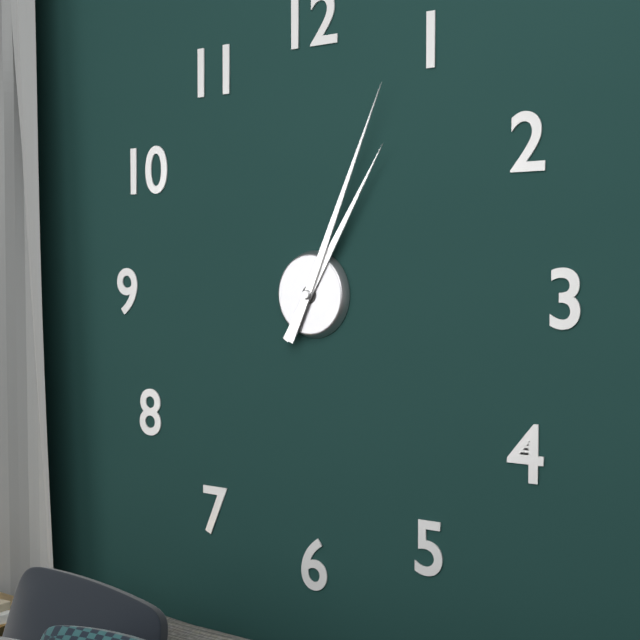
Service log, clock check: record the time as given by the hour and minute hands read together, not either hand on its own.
1:04
